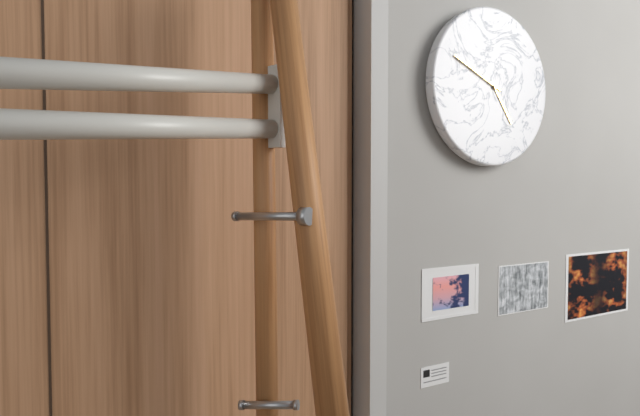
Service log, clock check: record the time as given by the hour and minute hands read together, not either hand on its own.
4:49
